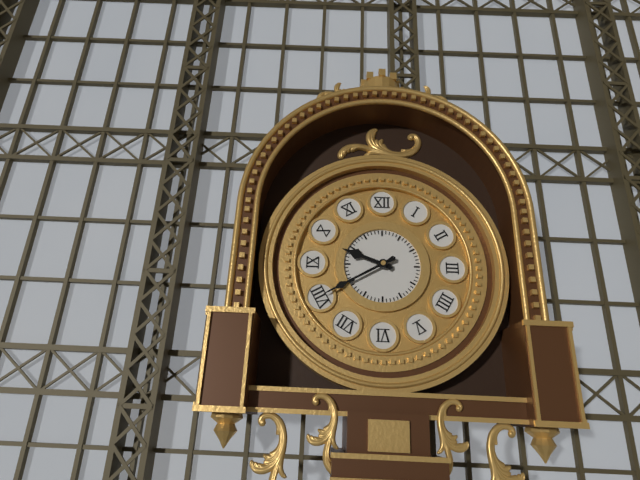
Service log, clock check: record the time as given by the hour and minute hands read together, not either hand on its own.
9:40
